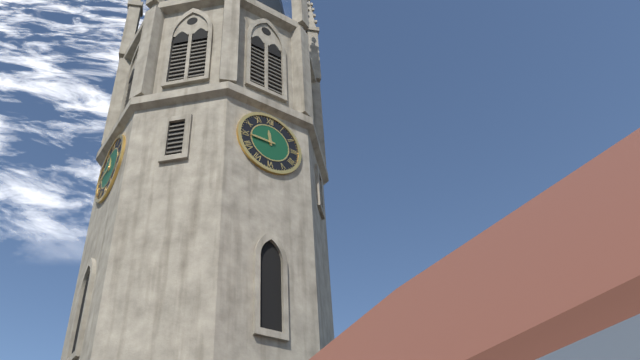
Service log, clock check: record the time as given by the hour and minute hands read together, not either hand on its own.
11:45
